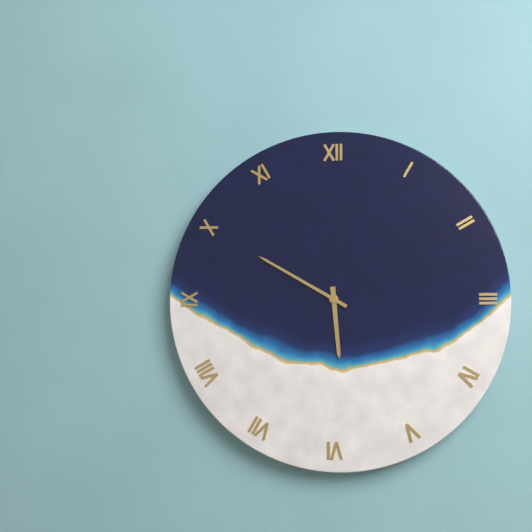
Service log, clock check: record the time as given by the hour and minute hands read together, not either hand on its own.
5:50
